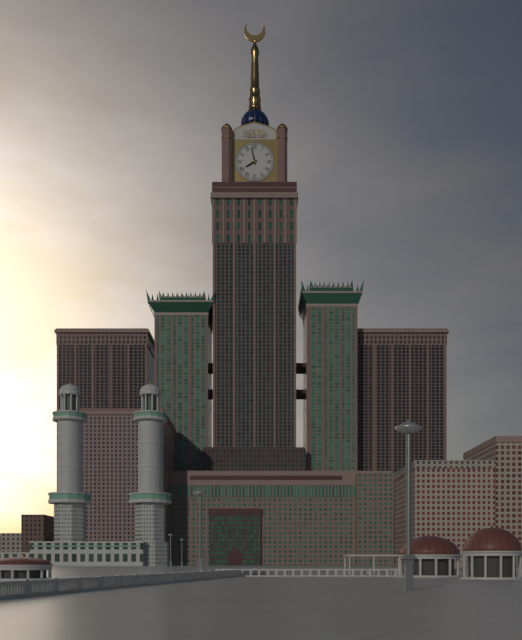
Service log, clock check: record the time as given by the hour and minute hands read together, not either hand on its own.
7:58
